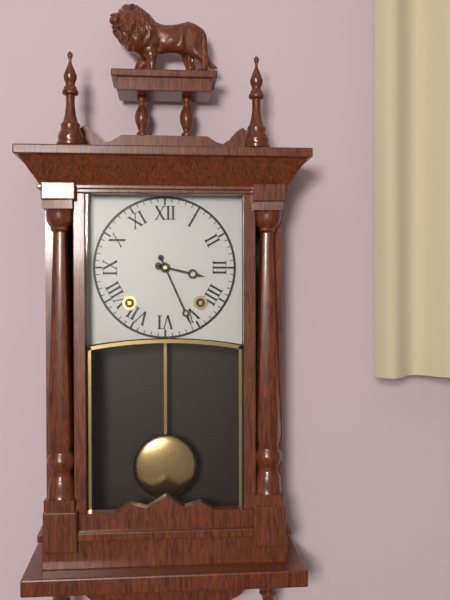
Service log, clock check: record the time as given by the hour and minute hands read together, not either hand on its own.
3:26
